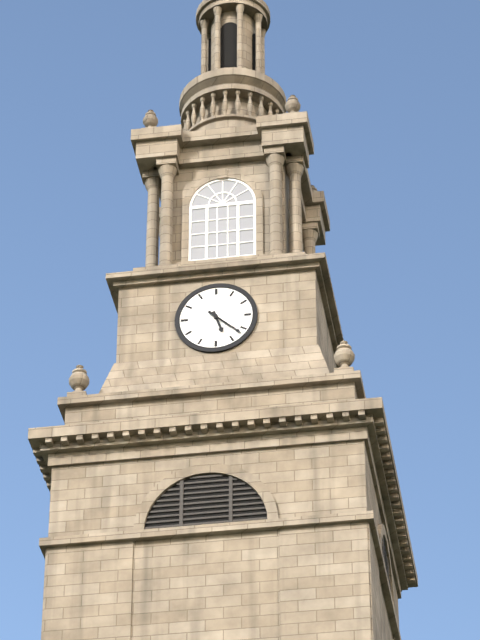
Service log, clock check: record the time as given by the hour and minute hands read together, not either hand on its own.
5:22
